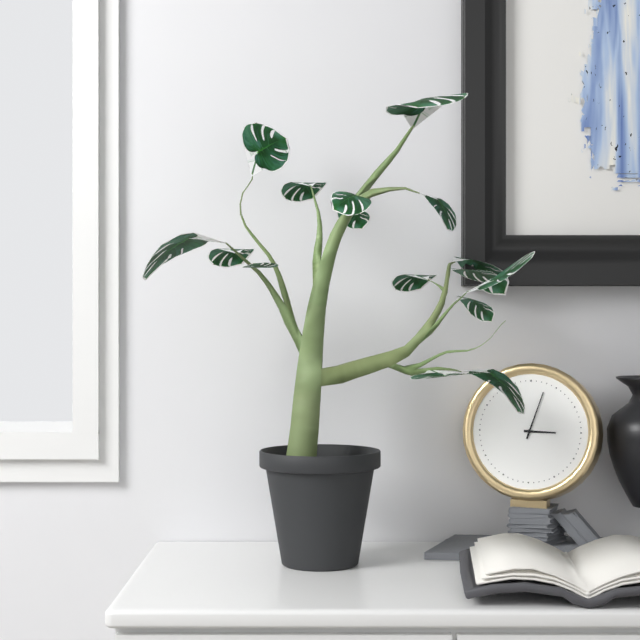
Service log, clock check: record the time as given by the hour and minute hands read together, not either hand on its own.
3:03
